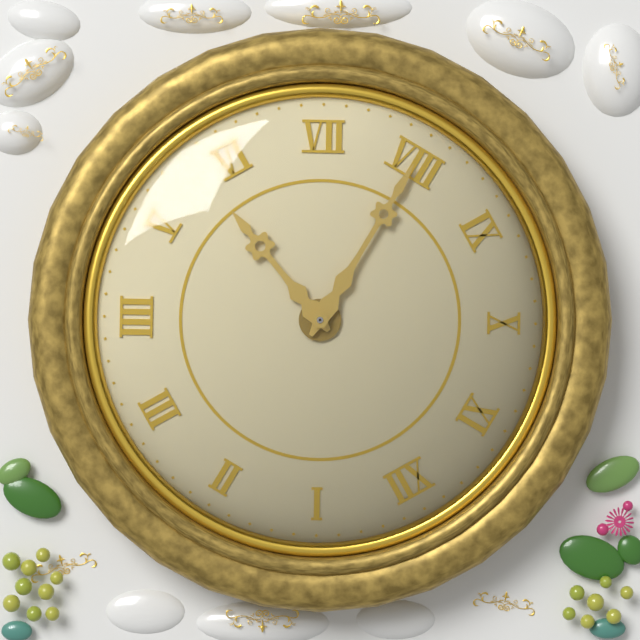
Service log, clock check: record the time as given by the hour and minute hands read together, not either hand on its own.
5:40
